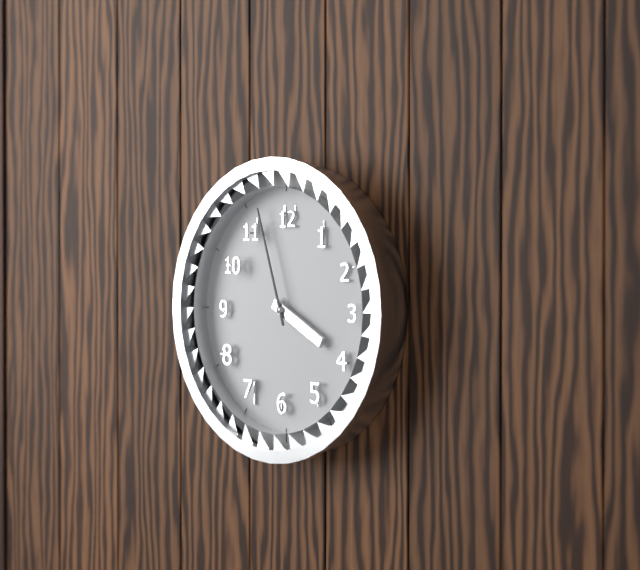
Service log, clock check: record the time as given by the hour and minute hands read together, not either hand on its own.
3:57
